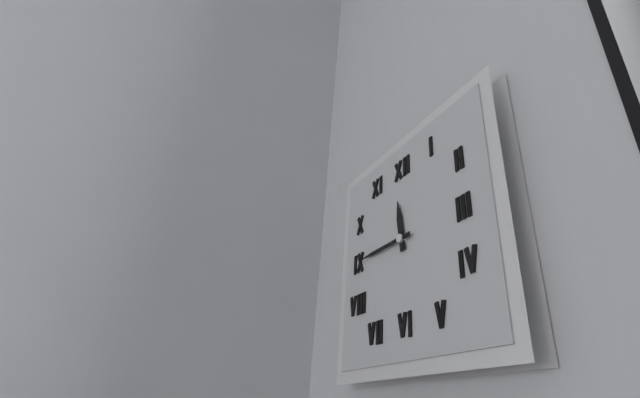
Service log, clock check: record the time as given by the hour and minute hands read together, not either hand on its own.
11:45
